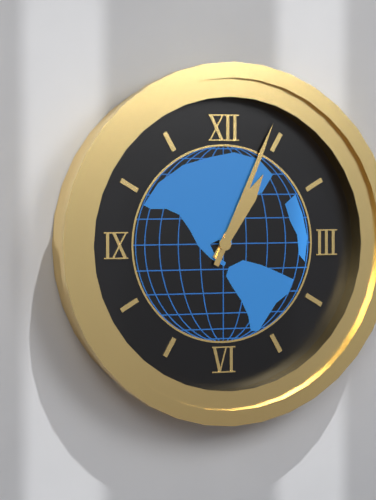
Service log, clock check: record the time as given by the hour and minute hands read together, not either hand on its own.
1:04
